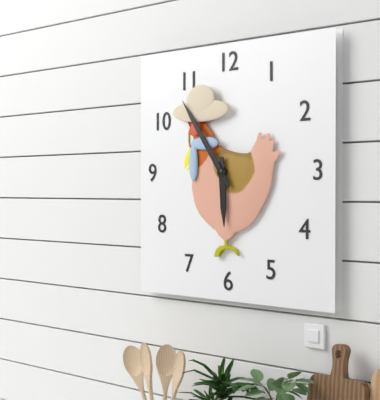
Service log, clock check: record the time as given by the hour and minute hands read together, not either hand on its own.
5:54
